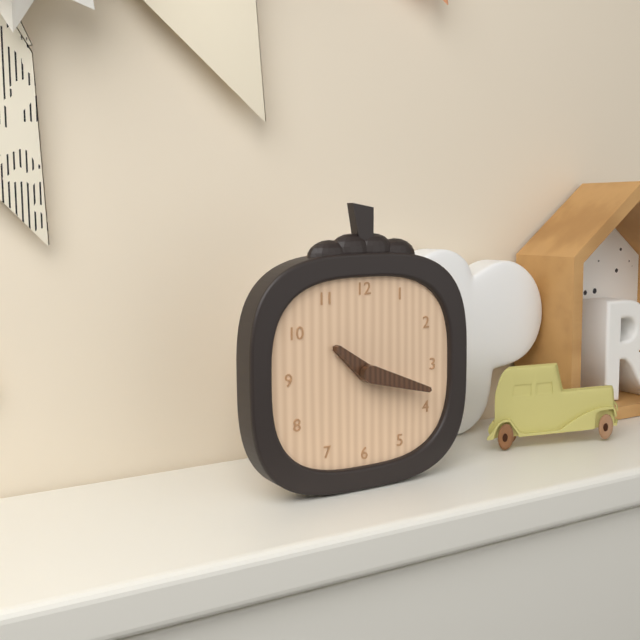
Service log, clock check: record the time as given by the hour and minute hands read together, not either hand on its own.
10:18
